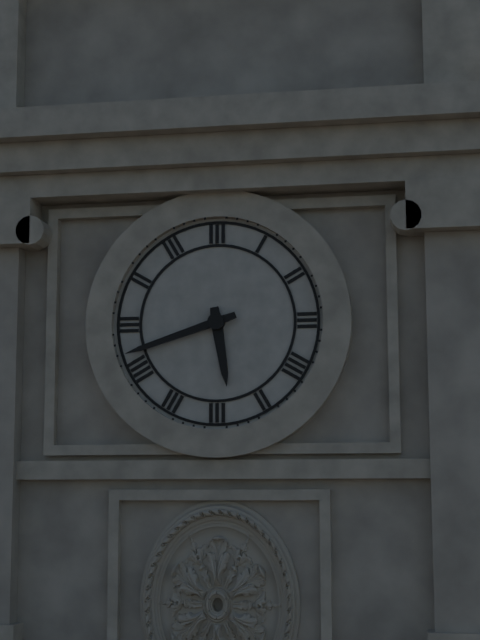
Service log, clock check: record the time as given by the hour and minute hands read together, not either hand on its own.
5:42
